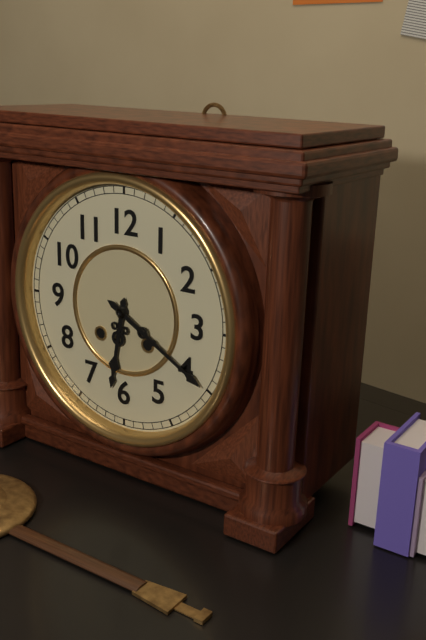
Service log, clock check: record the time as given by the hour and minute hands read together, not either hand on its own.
6:20
